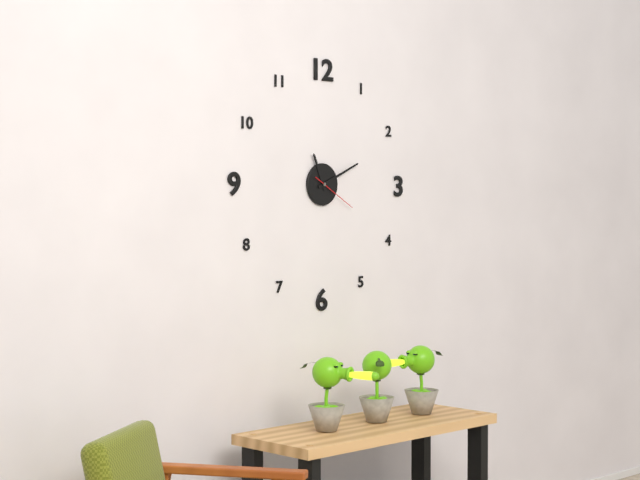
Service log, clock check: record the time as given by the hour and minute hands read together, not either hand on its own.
11:11
